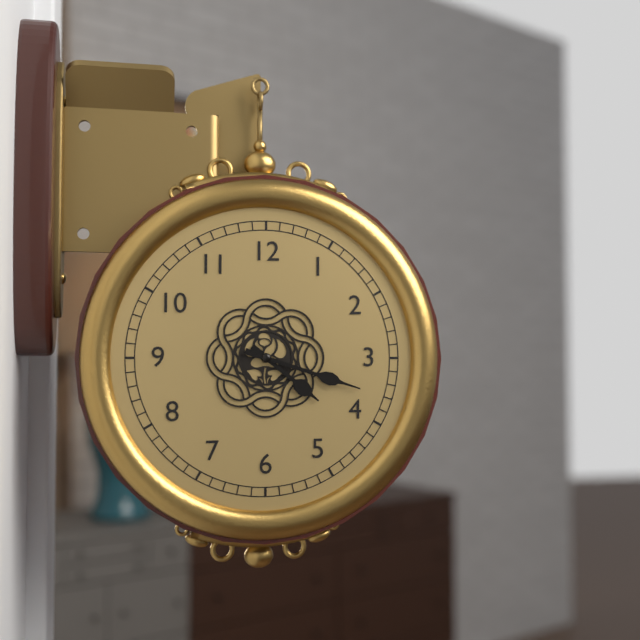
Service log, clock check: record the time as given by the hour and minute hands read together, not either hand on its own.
4:18
